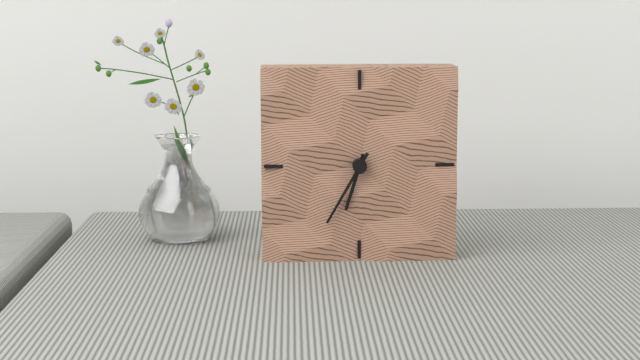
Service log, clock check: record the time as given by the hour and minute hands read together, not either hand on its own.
6:35
